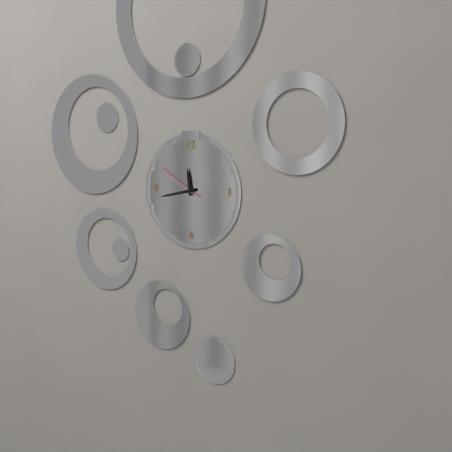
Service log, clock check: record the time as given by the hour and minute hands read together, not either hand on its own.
11:43
